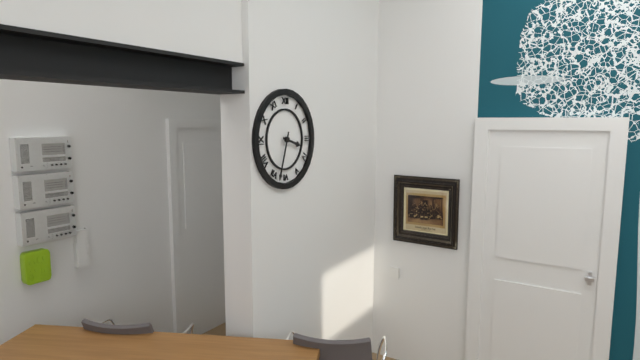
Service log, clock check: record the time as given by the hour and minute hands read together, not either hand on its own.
3:33
